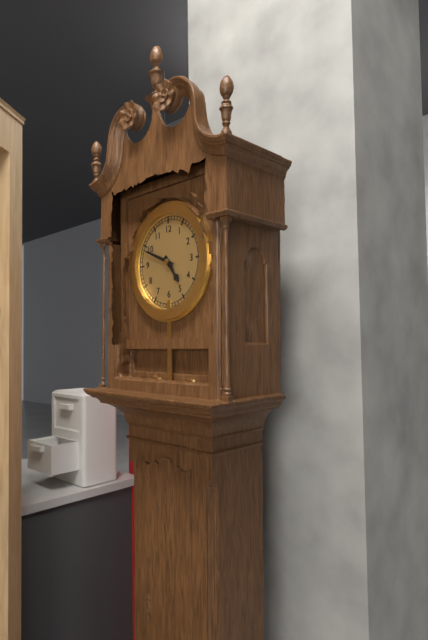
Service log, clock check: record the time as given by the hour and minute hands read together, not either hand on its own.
4:49
